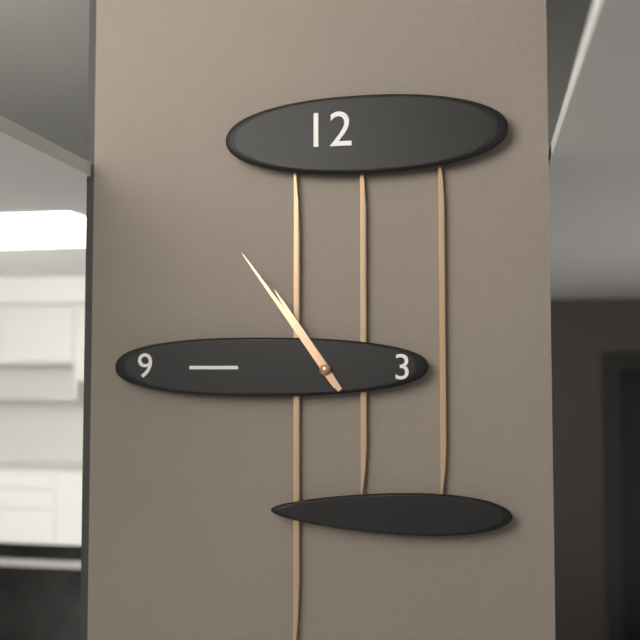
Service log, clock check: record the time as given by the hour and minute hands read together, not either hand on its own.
10:54
